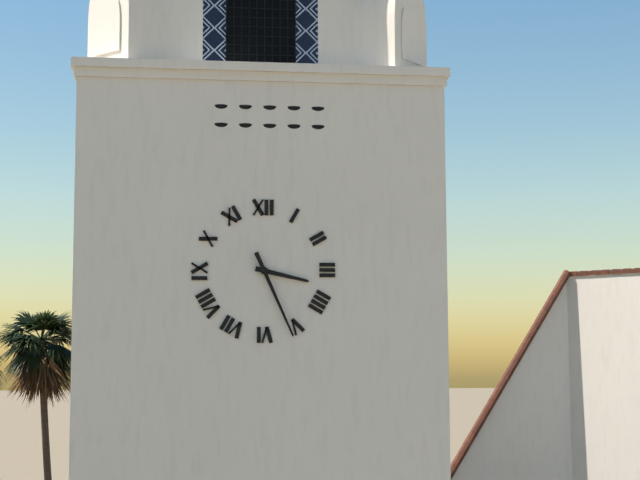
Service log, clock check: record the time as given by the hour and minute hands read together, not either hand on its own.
3:26
